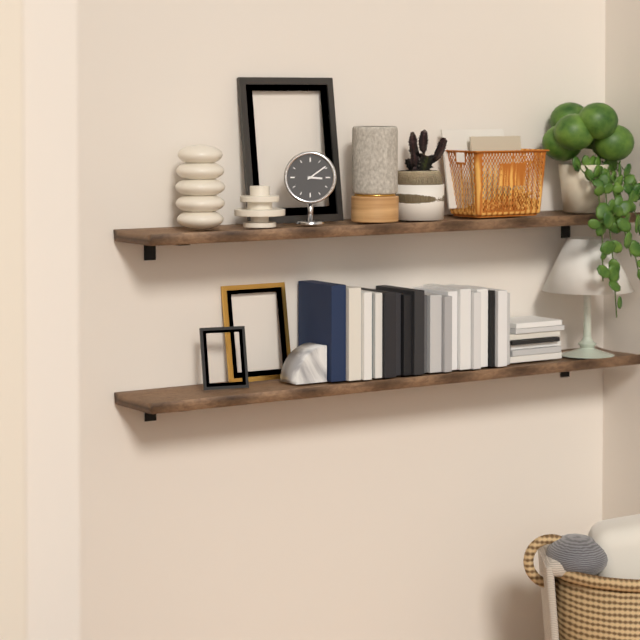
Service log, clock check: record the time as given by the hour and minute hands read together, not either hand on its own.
3:09
